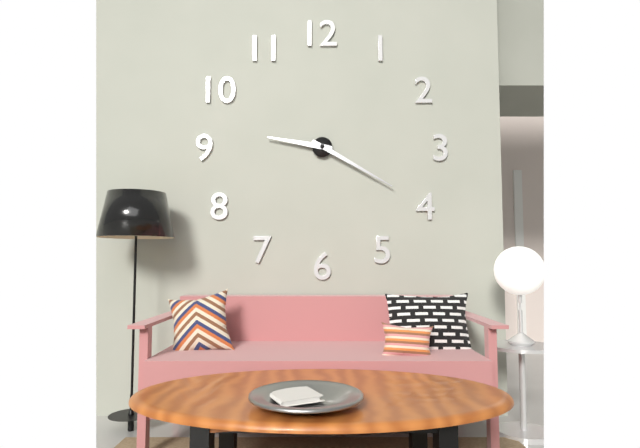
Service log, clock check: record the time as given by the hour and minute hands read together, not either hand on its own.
9:20
